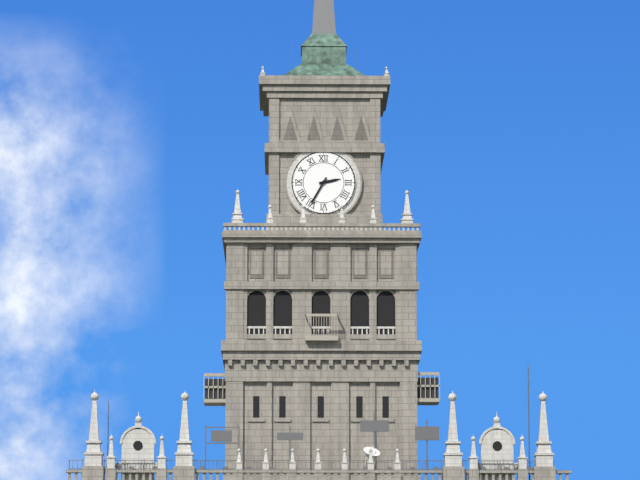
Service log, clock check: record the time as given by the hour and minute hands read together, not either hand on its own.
2:35
